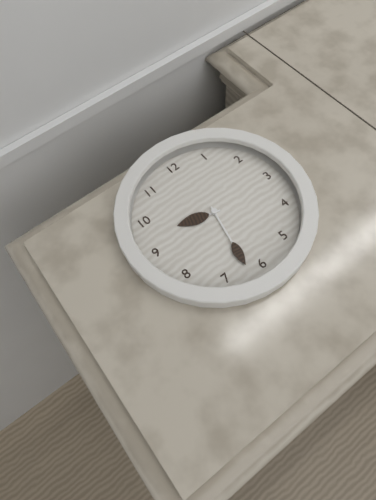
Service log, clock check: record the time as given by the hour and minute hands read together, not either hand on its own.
9:32
